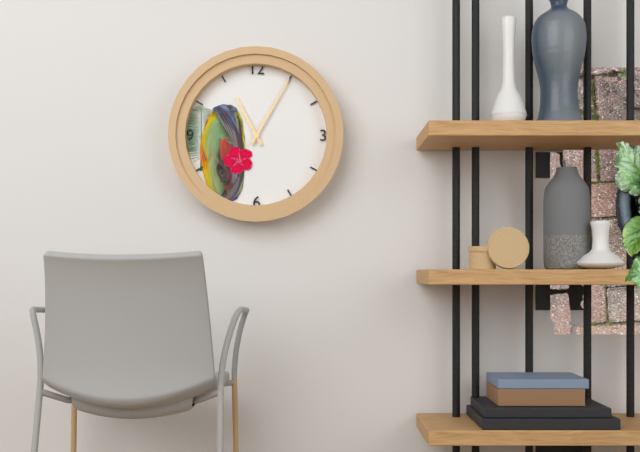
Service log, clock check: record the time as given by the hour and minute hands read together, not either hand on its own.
11:05
